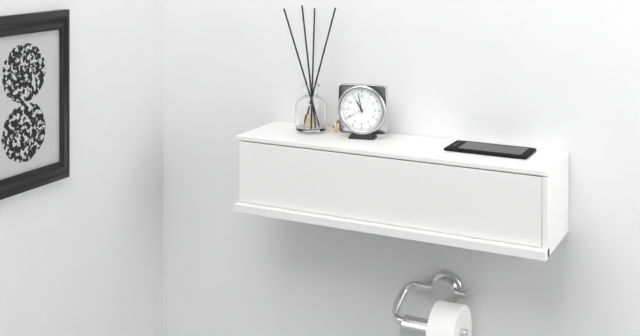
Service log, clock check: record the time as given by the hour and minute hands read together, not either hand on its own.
10:58
